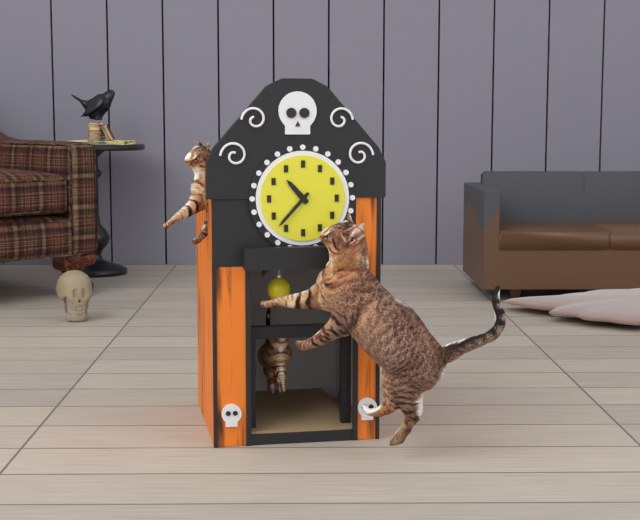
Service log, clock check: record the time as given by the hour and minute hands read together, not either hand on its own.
10:37
